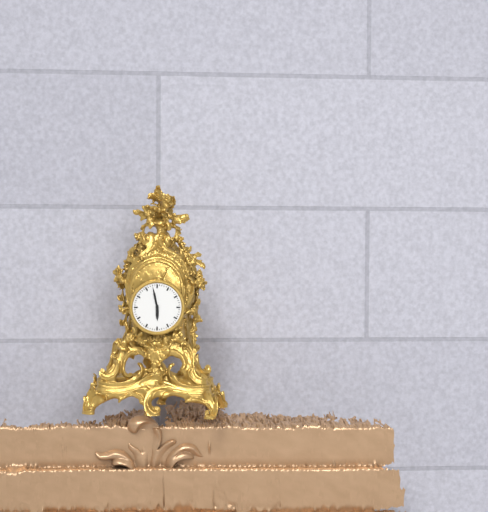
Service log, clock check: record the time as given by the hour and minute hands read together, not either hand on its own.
5:58
